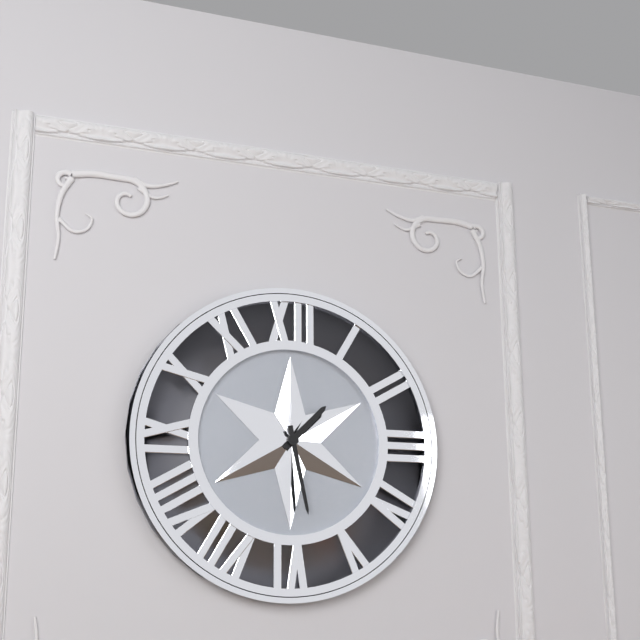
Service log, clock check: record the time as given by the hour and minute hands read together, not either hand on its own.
1:28
